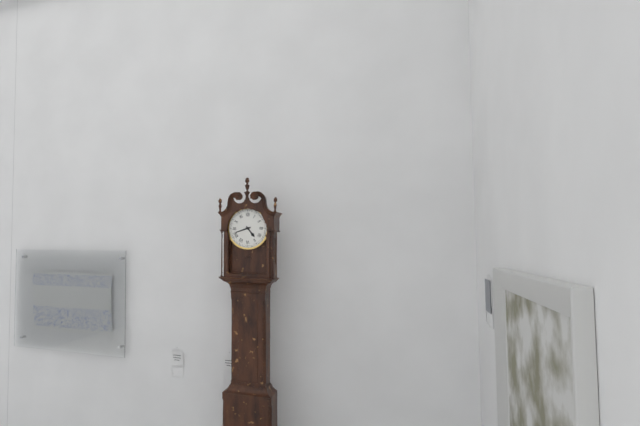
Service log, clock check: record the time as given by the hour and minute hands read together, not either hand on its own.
4:42
